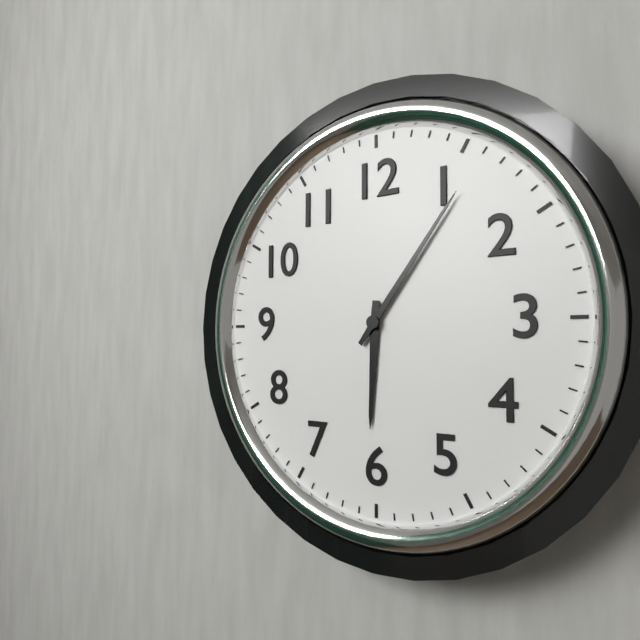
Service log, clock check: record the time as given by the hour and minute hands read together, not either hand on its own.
6:06
